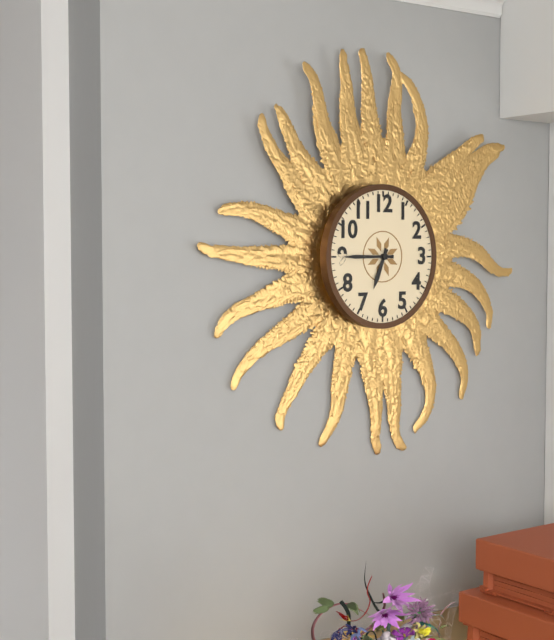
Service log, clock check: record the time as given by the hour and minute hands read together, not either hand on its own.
6:45
